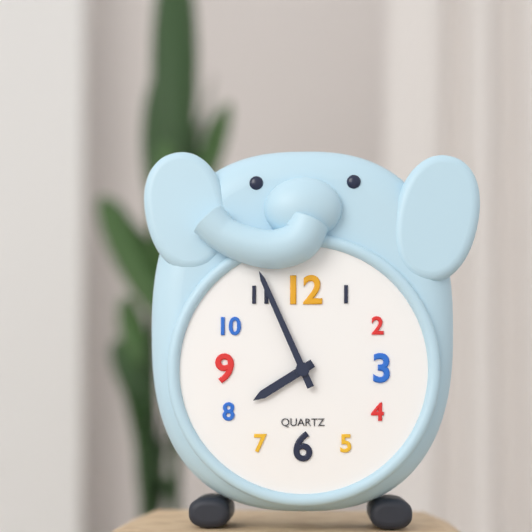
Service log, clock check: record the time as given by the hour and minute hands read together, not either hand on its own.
7:56
